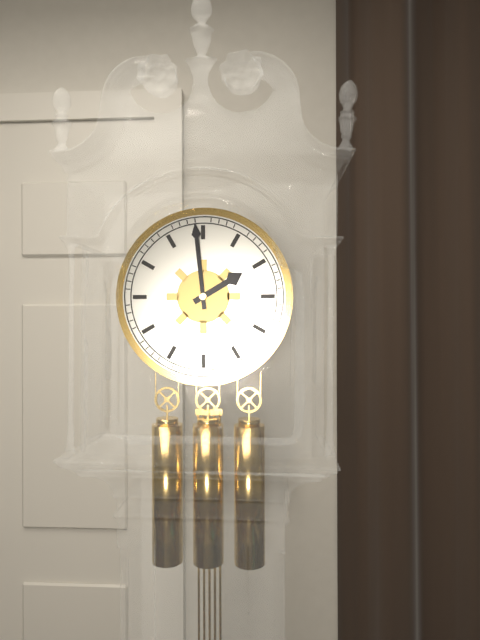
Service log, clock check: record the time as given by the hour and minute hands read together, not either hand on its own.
1:59
